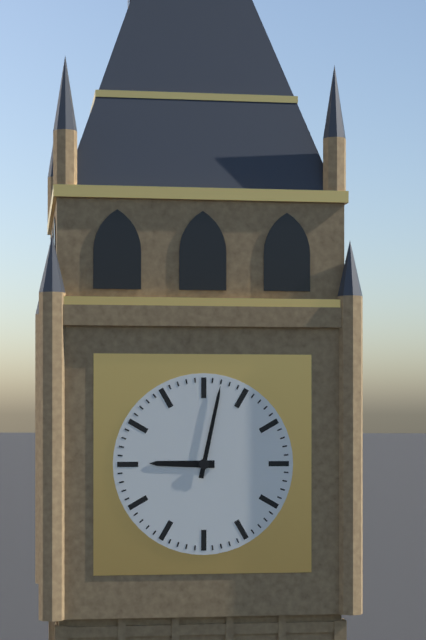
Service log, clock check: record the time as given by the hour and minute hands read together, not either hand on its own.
9:02
